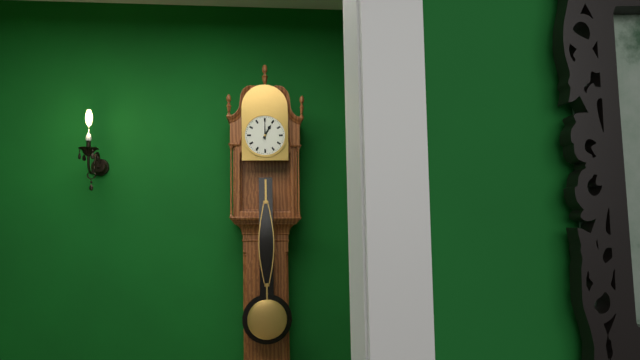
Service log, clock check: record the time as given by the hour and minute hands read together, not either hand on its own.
1:00
